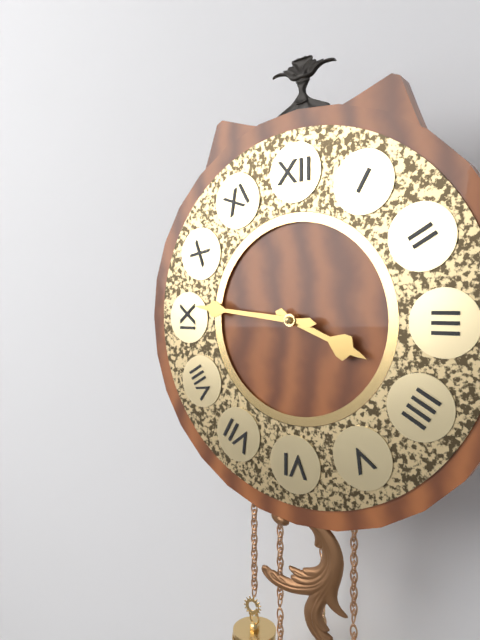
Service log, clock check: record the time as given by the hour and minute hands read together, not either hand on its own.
3:46
